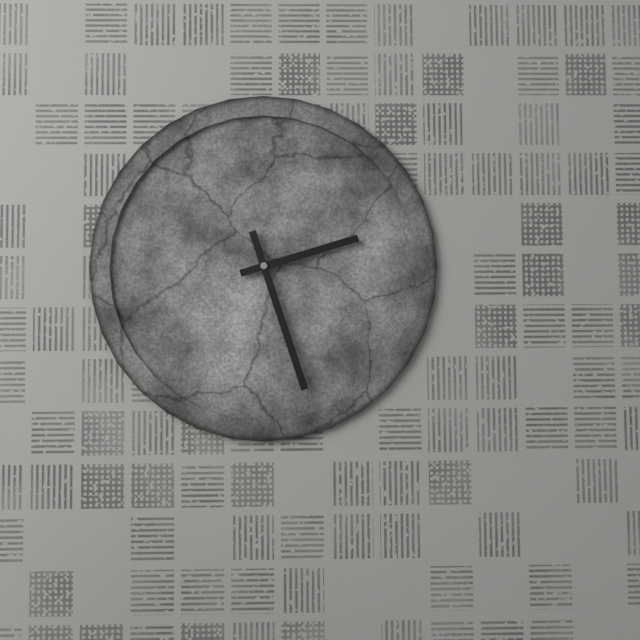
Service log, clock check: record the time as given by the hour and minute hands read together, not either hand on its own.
2:27
